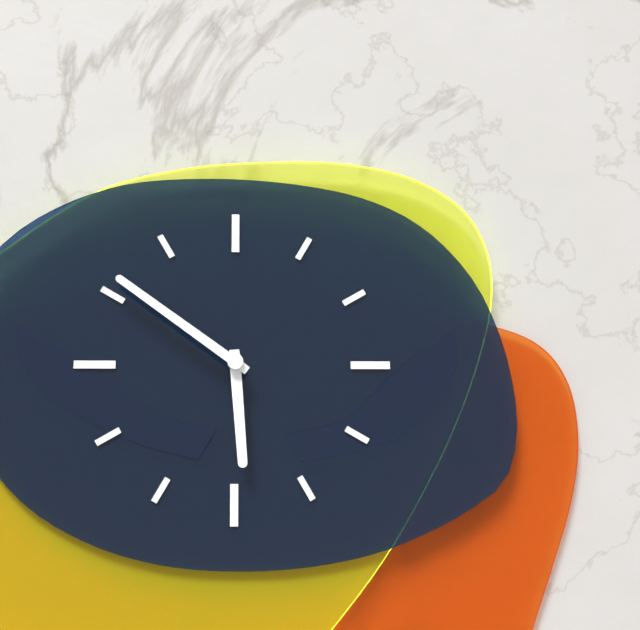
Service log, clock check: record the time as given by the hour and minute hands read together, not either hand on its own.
5:51
